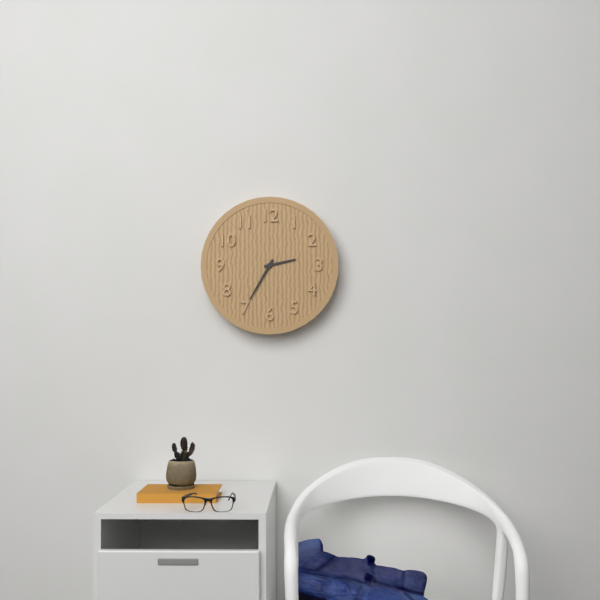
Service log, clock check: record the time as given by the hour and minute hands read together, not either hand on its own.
2:35
